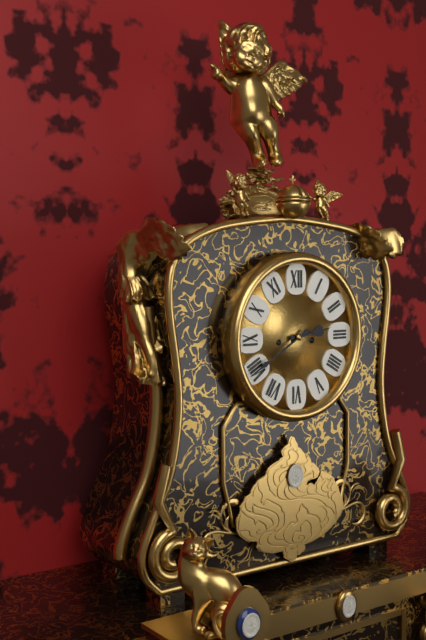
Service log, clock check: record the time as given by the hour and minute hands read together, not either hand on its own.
2:40
